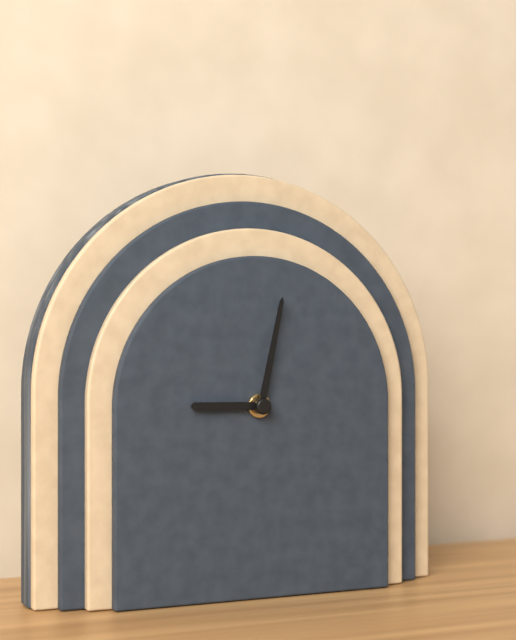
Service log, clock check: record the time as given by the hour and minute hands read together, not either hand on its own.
9:02
